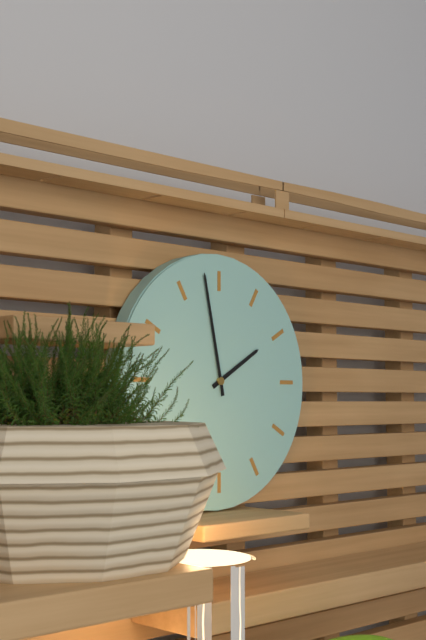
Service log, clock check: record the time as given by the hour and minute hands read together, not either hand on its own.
1:58
